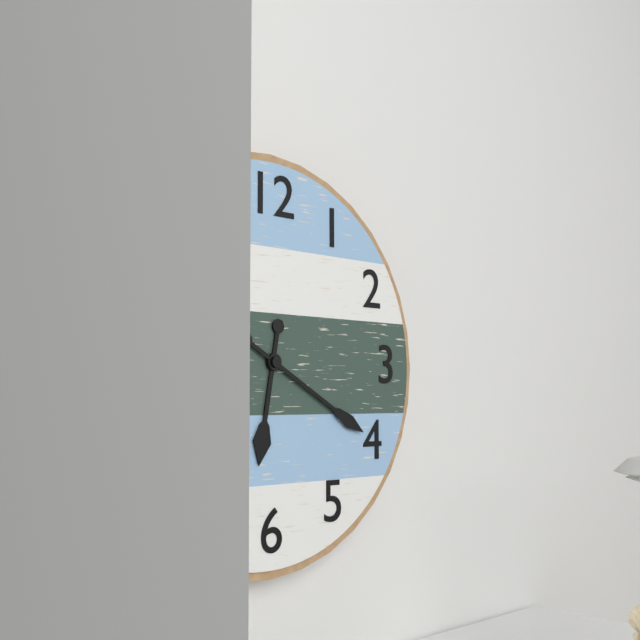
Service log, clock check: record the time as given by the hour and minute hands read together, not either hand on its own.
6:20
